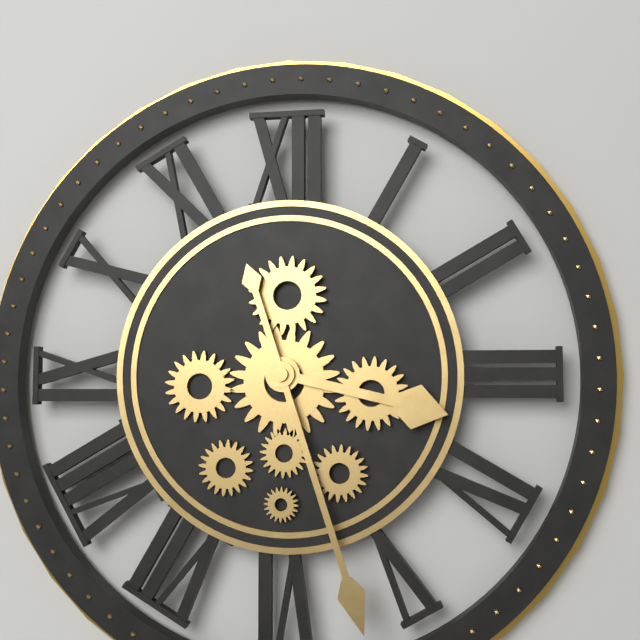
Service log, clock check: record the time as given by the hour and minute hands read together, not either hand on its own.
3:27
